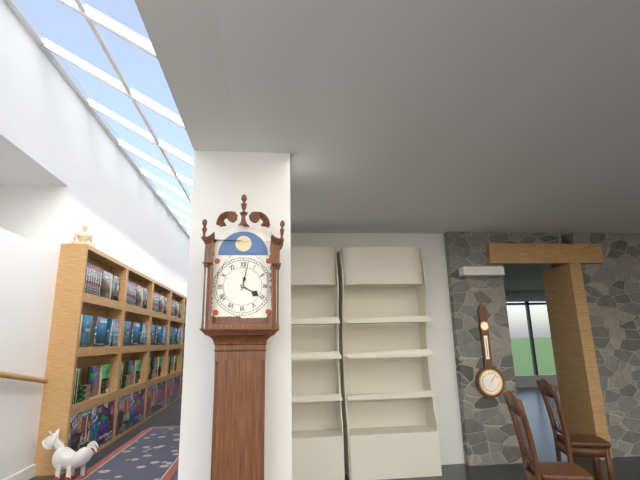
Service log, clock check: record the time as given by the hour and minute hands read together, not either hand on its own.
4:02
